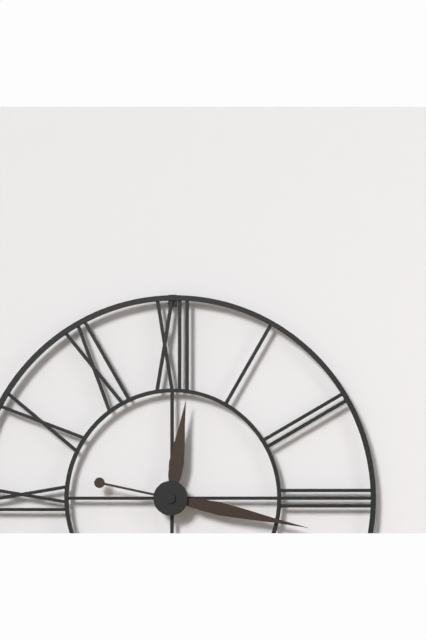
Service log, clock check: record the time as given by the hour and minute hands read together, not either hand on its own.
12:17
